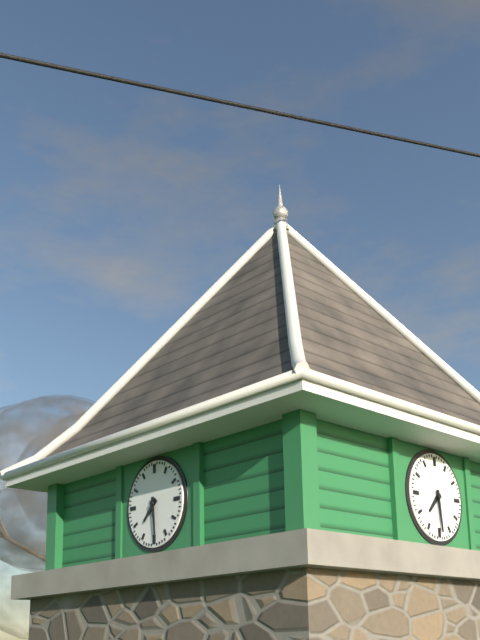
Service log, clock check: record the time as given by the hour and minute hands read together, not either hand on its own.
7:29
